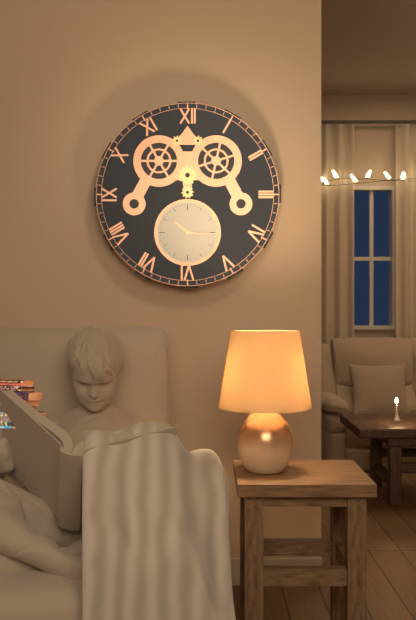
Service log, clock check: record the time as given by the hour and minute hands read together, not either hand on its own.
10:16
